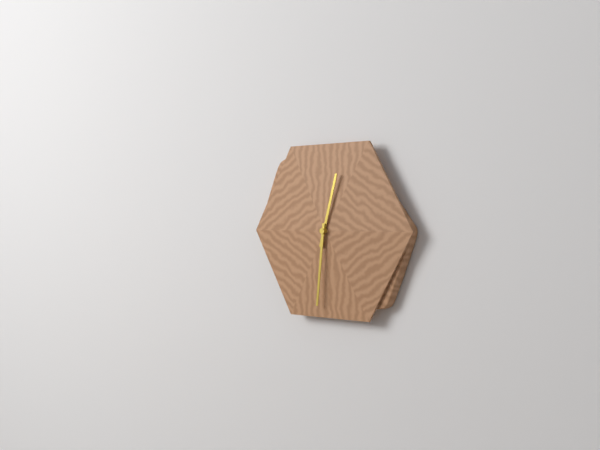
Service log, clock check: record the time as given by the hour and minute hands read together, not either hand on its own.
12:31
